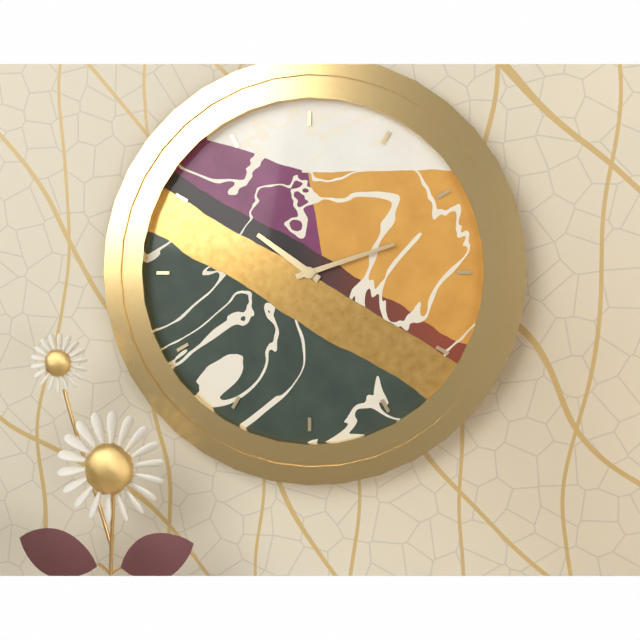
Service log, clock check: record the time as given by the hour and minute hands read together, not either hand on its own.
10:12
